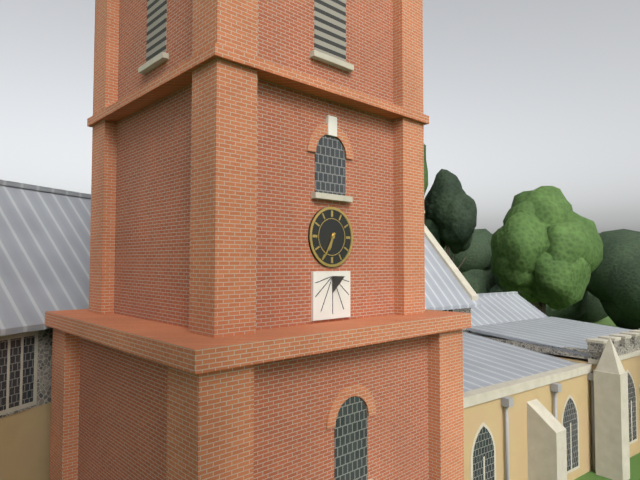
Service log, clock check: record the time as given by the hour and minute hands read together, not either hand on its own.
6:35
